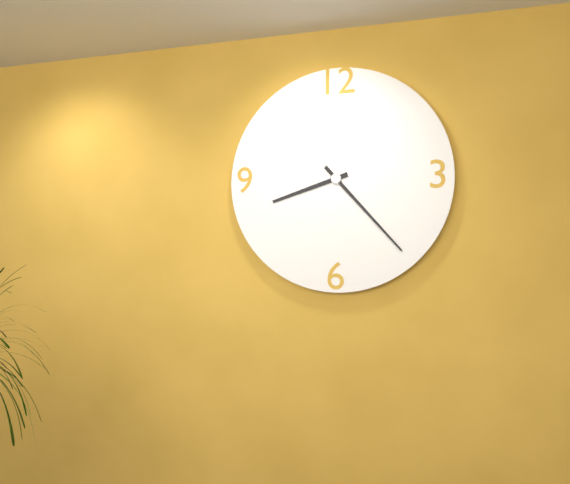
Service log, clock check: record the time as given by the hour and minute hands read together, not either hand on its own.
8:23
